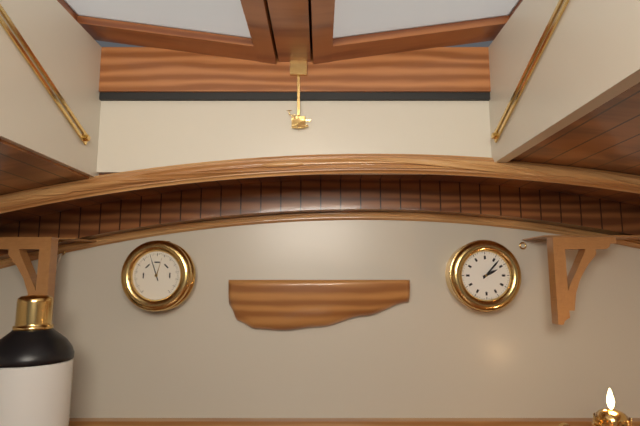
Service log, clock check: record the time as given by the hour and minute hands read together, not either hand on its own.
2:07
